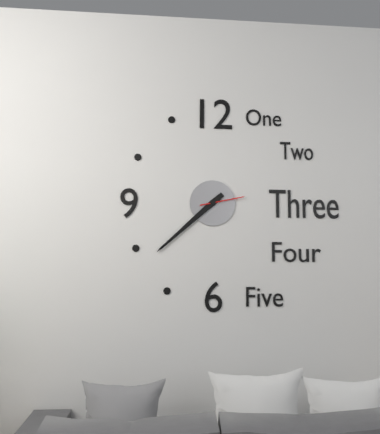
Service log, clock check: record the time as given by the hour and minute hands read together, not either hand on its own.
7:38
